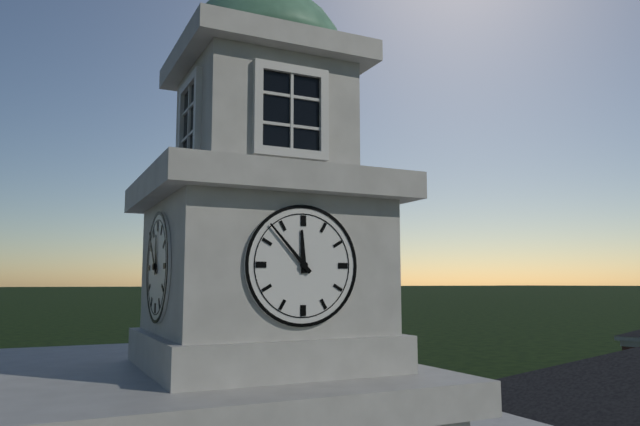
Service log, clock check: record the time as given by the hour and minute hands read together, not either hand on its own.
11:53
